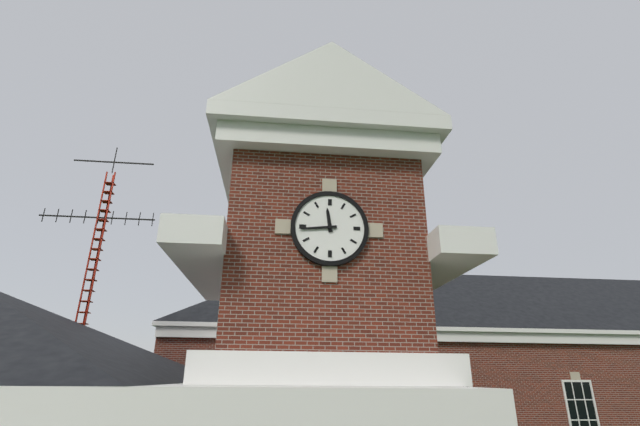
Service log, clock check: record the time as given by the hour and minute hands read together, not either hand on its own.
11:44
